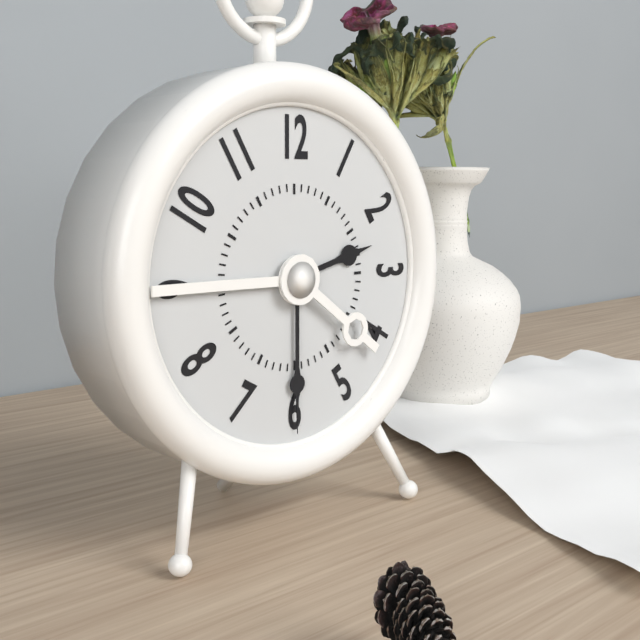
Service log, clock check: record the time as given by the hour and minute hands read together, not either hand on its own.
2:30
